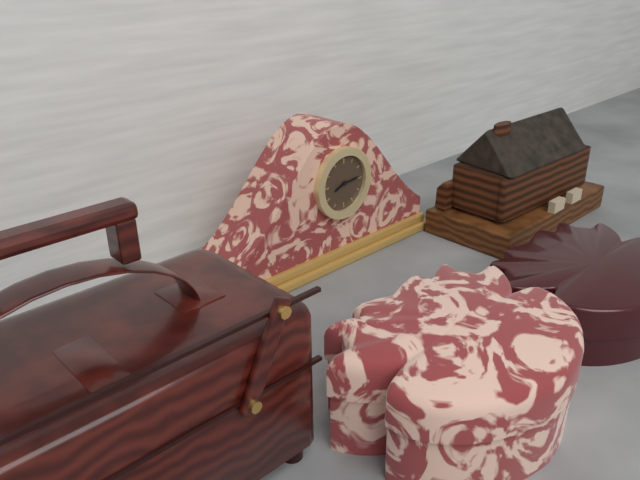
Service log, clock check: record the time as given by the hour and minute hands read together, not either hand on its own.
8:14
